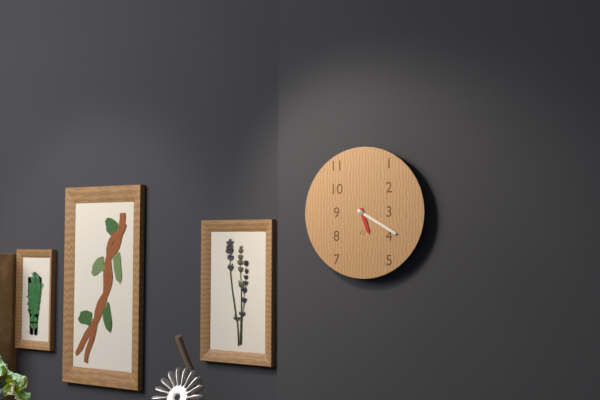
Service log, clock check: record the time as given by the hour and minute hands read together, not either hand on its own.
5:20
